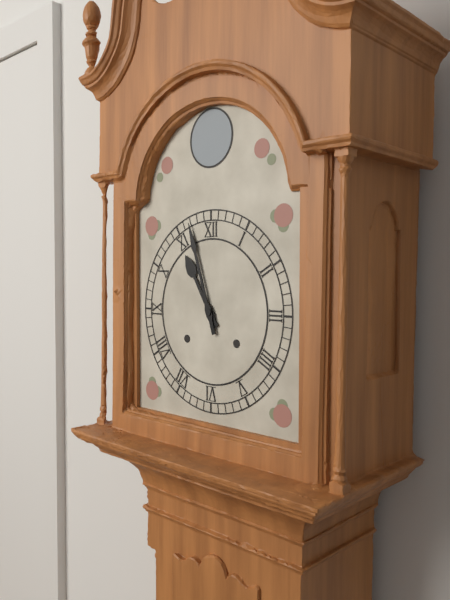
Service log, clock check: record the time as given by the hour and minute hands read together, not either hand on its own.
10:57
